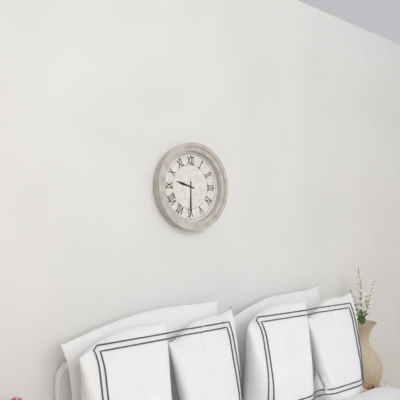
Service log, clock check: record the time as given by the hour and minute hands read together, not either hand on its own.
9:30
